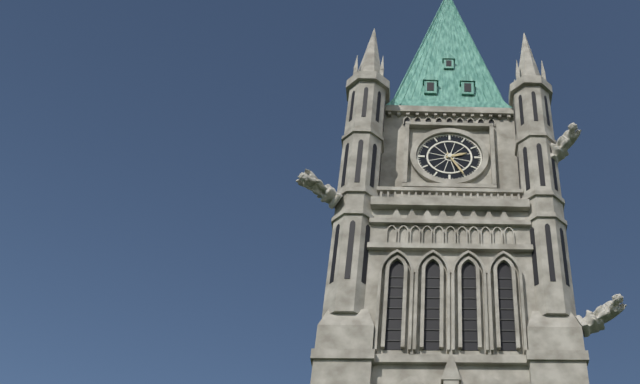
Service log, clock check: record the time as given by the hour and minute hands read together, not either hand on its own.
2:25
